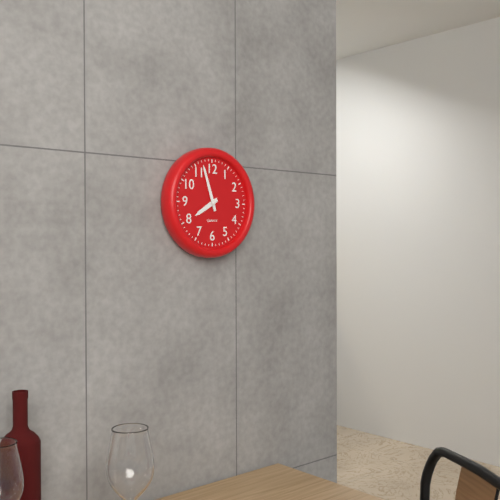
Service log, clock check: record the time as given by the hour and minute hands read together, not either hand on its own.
7:57
